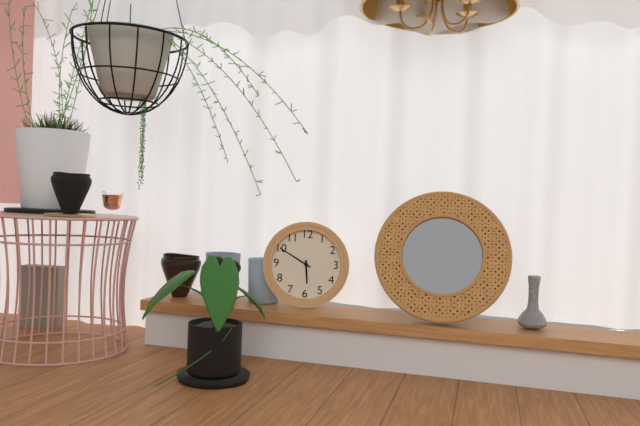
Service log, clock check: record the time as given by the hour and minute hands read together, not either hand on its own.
5:50
